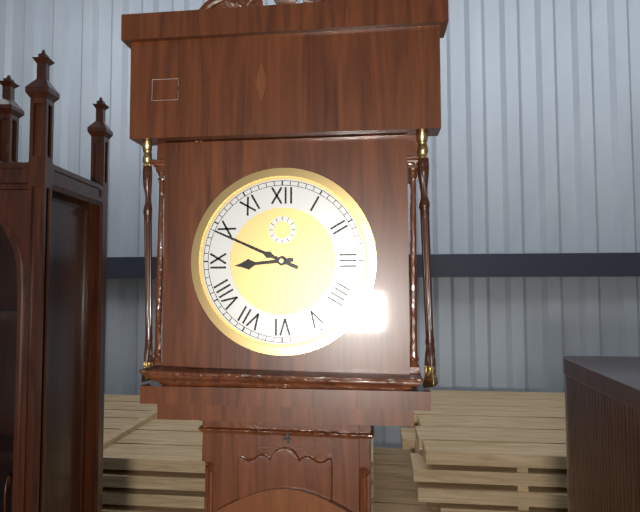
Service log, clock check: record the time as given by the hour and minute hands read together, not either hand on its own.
8:49
